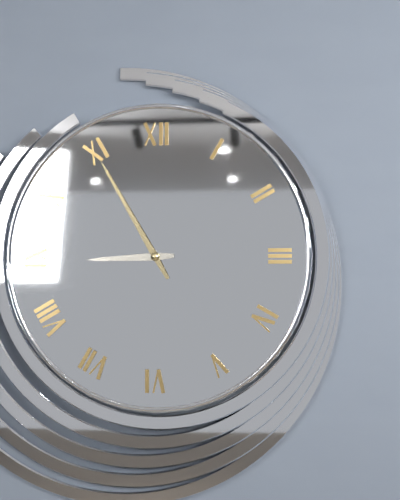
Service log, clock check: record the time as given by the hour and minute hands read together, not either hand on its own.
8:55
